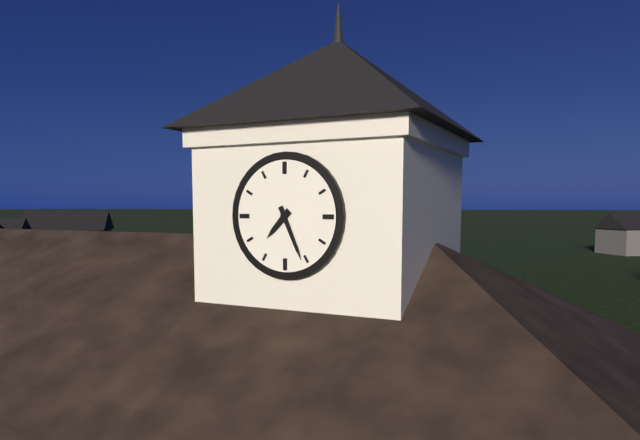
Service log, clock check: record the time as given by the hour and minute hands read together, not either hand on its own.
7:26
